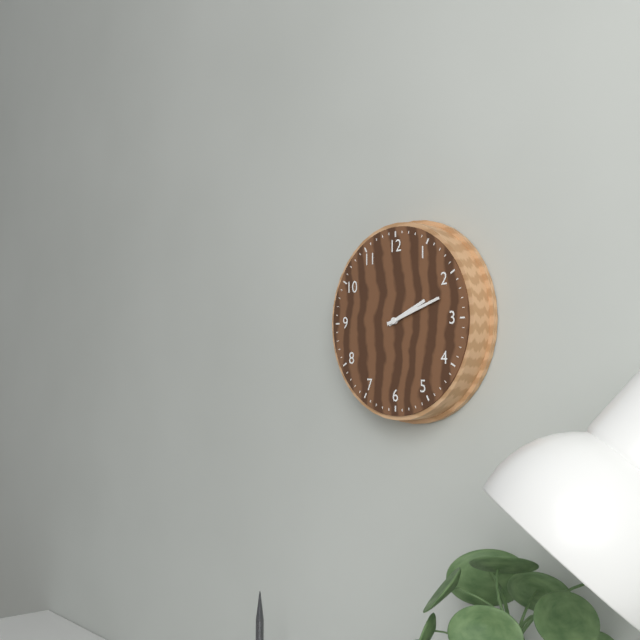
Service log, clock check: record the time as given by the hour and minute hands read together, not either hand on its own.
2:12
